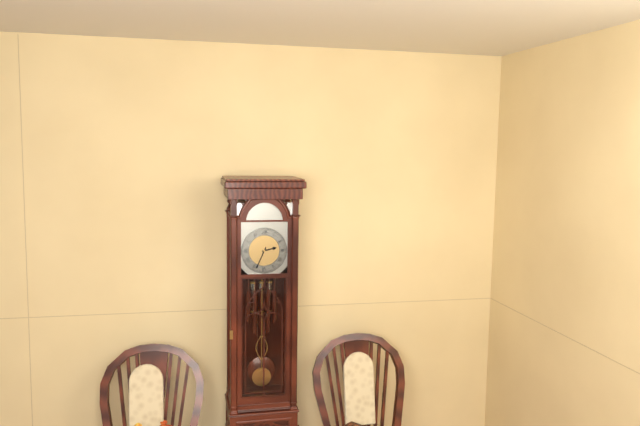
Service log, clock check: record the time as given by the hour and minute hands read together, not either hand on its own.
2:34
